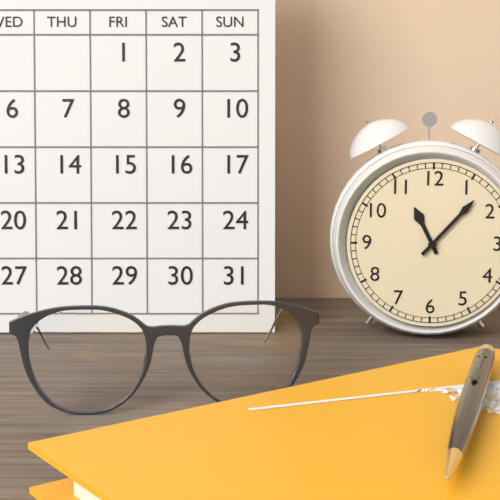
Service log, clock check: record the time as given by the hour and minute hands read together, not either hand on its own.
11:07
